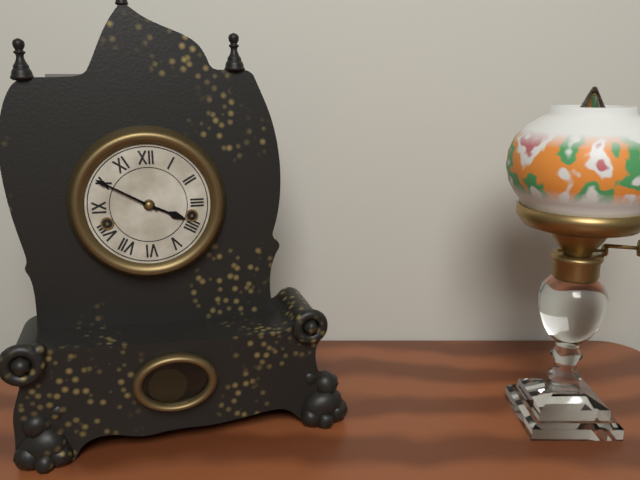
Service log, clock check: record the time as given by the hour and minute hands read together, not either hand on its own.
3:50
